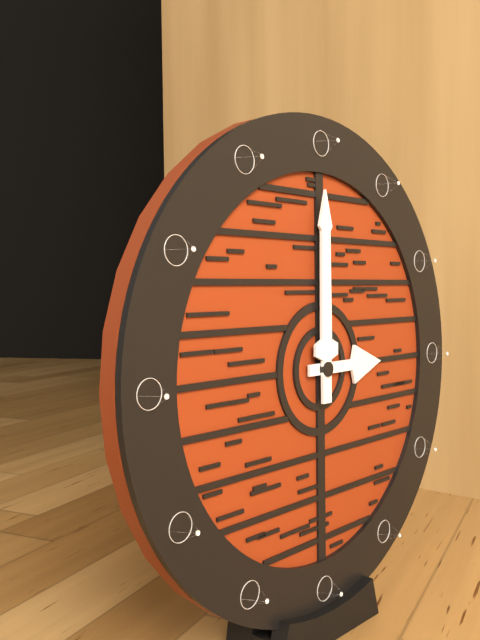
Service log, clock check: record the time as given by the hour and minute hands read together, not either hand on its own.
3:00
